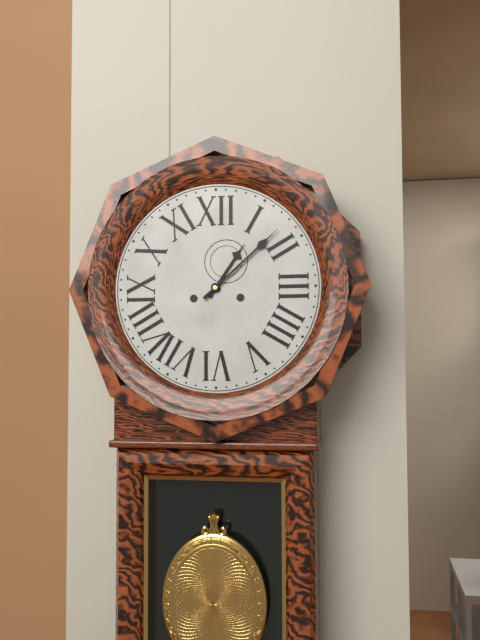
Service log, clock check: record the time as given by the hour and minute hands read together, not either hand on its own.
1:08
